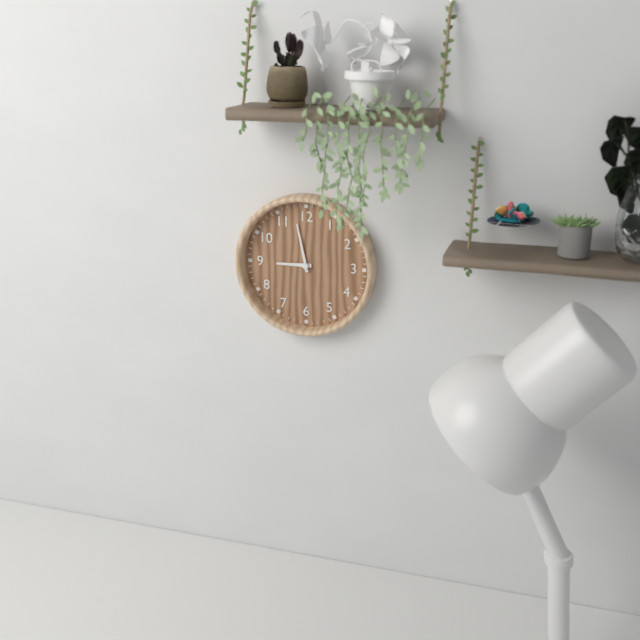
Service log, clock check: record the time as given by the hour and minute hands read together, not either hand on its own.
8:58
